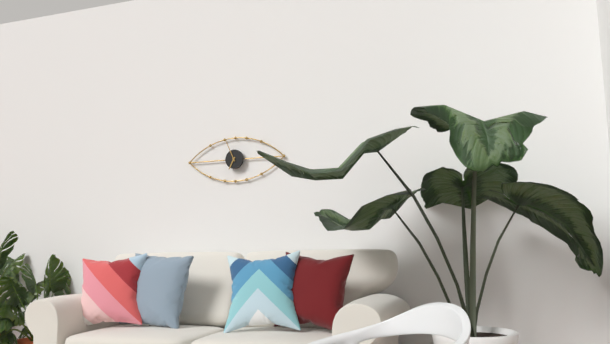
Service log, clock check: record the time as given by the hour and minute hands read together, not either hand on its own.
6:56
